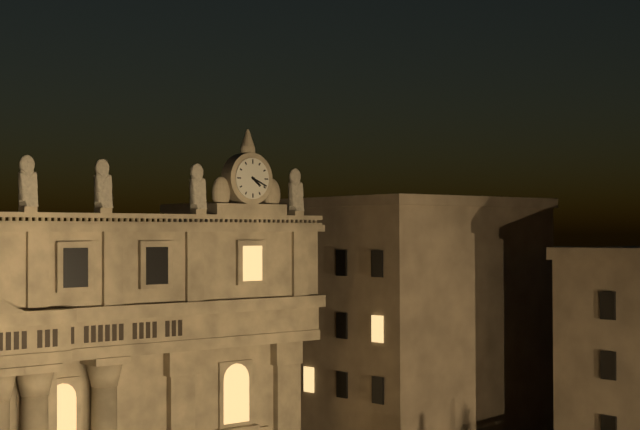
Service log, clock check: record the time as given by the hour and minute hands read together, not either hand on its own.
4:19
